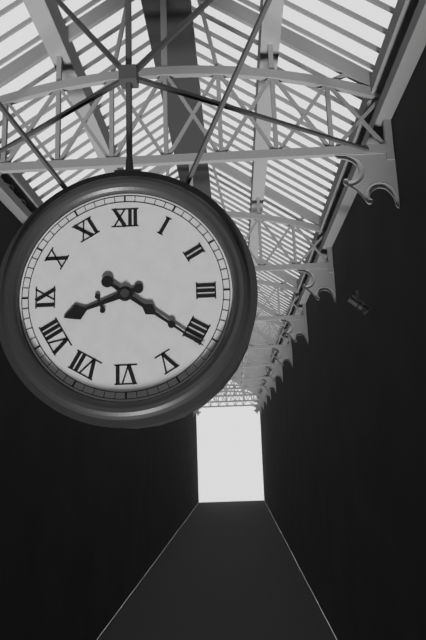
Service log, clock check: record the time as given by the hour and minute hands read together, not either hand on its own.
8:21
